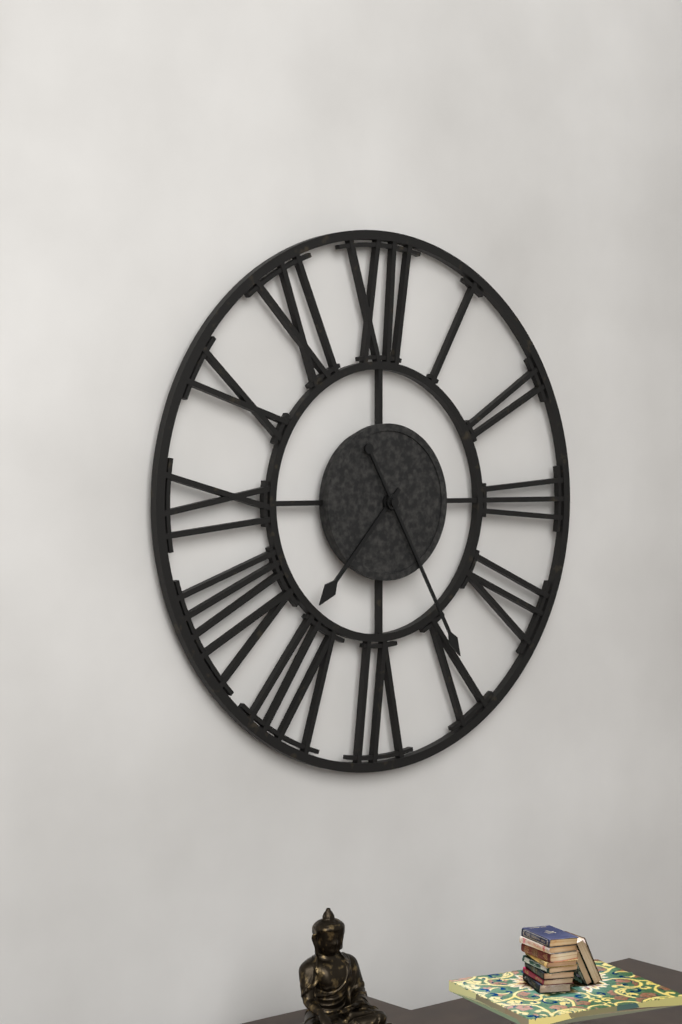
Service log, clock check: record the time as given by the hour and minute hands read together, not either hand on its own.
7:25
